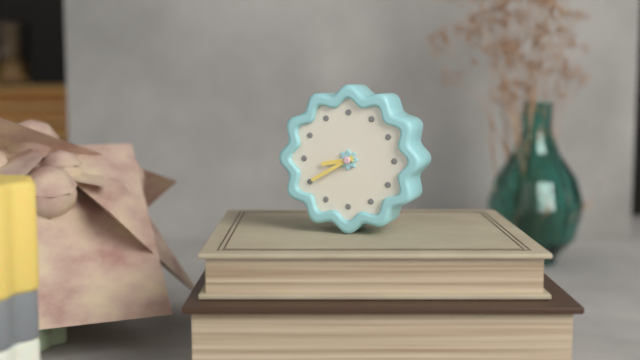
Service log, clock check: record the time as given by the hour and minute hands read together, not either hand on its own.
8:40
